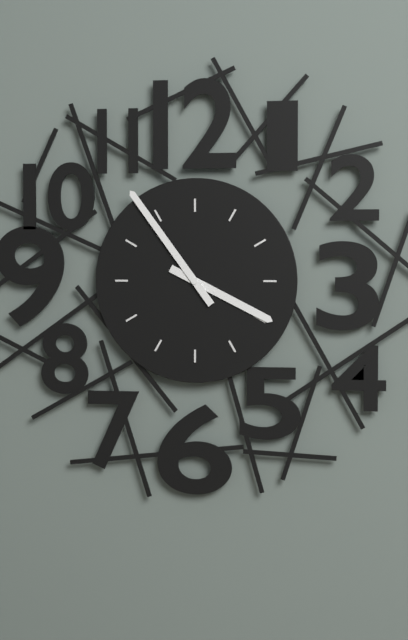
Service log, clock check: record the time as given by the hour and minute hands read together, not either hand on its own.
3:54
